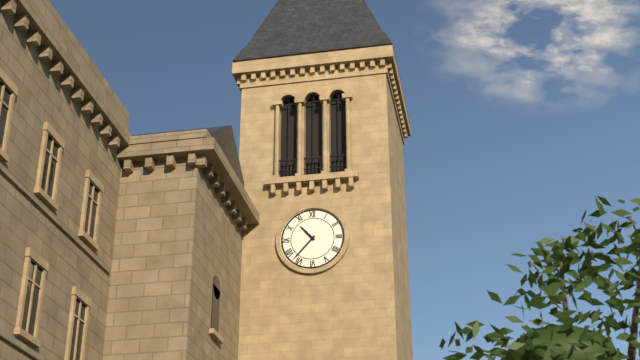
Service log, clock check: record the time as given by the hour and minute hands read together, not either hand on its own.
10:37
